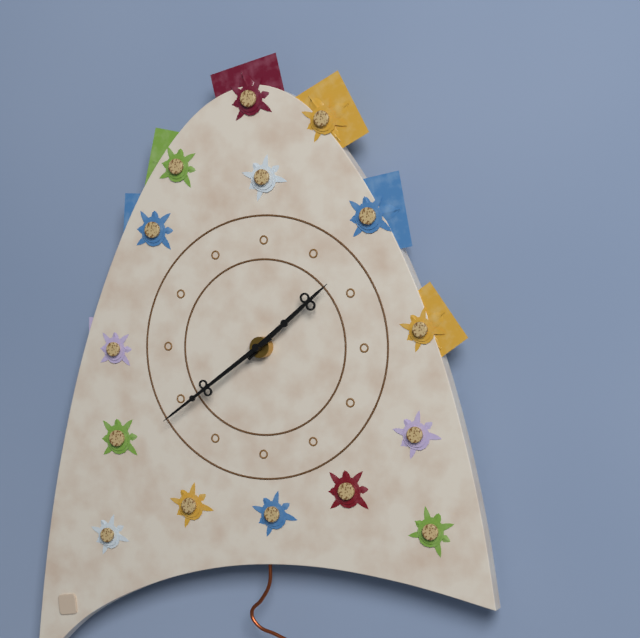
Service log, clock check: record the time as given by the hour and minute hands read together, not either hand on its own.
1:39
